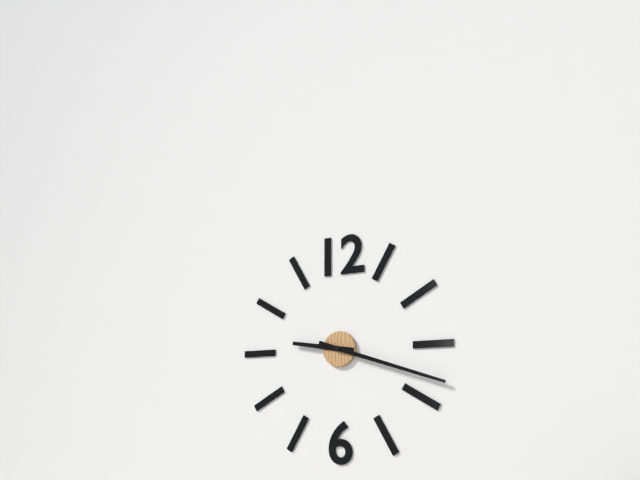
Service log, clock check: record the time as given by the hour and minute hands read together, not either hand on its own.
9:18
